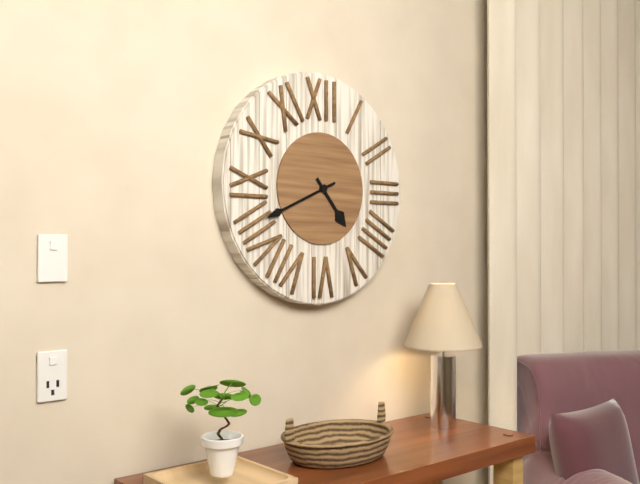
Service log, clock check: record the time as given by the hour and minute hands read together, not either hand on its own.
4:41
